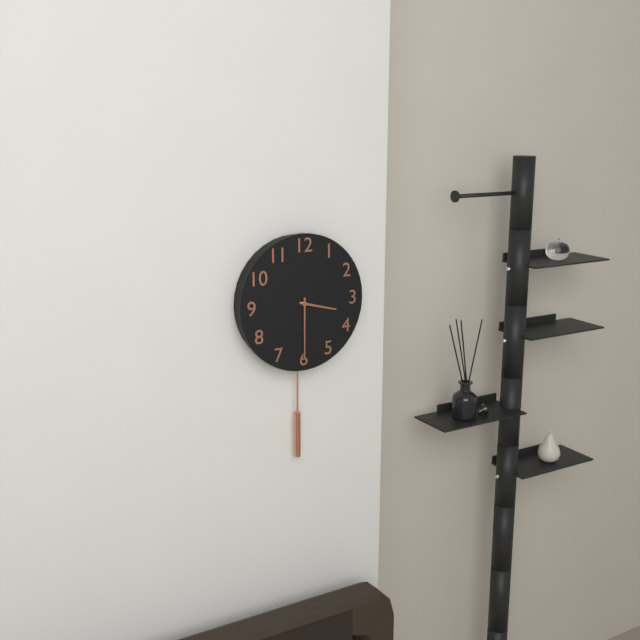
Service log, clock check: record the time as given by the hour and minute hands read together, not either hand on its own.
3:30
